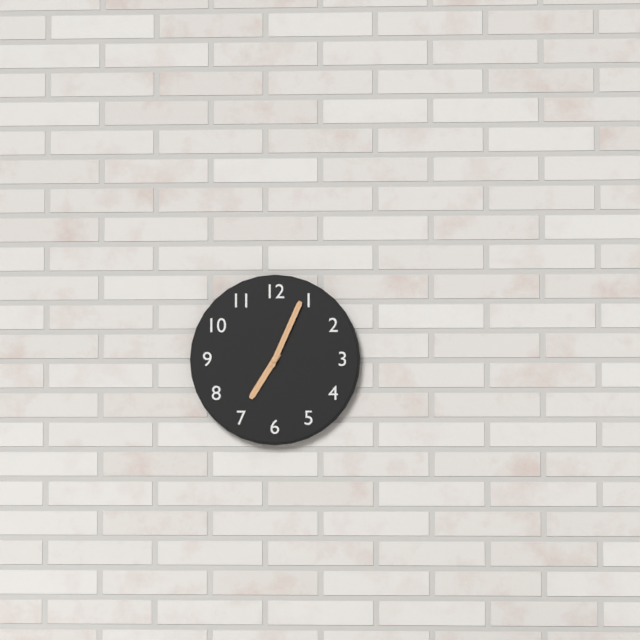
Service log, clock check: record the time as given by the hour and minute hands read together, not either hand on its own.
7:04
